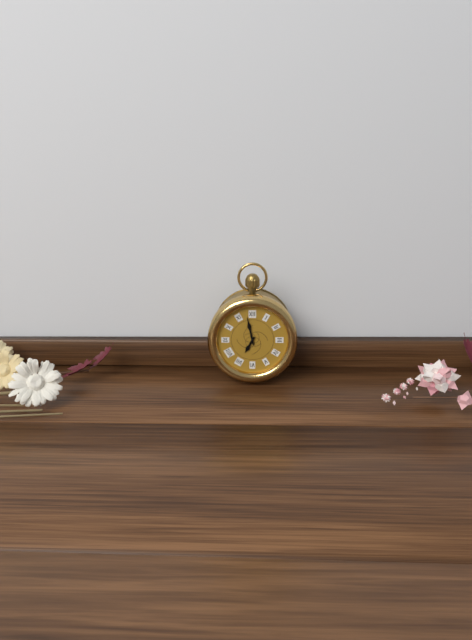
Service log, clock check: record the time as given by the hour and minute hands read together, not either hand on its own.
6:58
